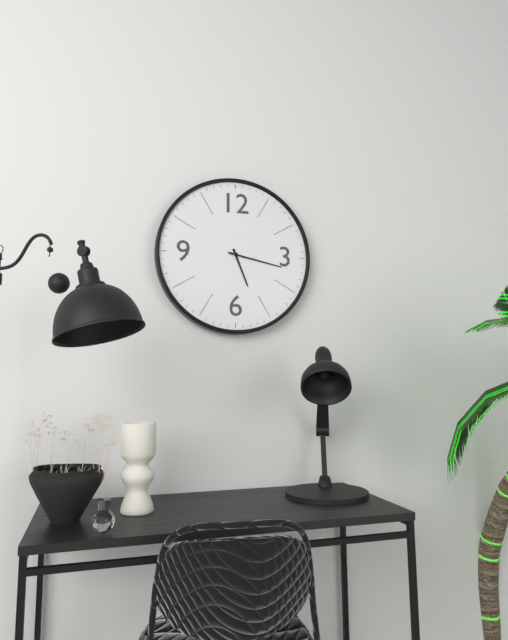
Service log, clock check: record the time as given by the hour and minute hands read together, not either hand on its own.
5:17
